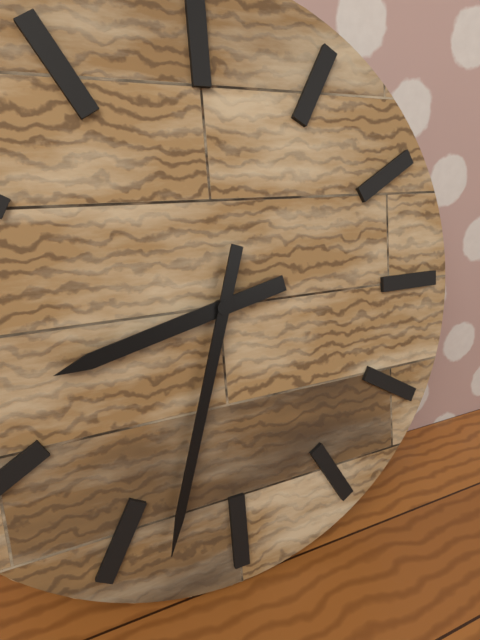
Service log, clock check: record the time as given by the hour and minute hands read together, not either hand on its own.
8:33
